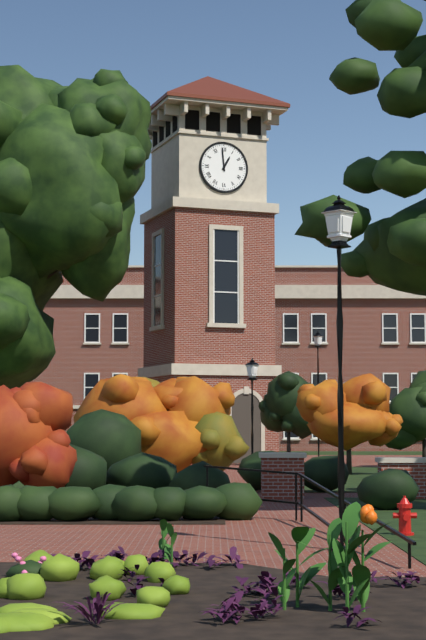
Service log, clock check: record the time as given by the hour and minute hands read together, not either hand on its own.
12:59
